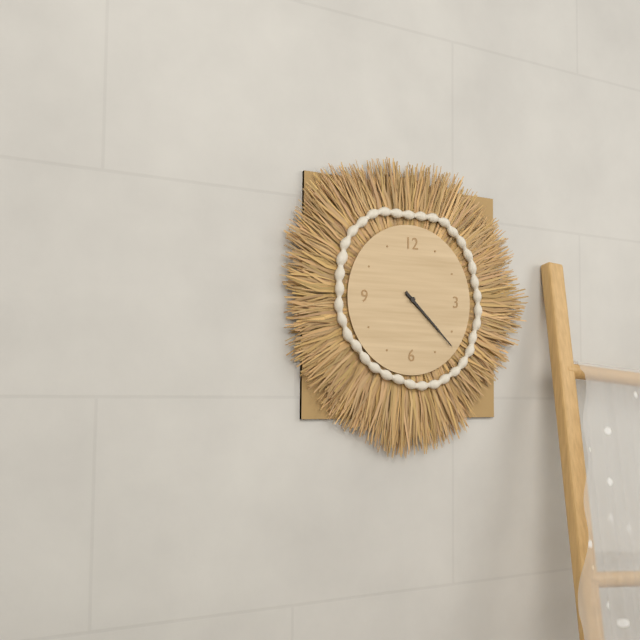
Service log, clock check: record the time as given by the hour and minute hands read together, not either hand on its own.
4:22
